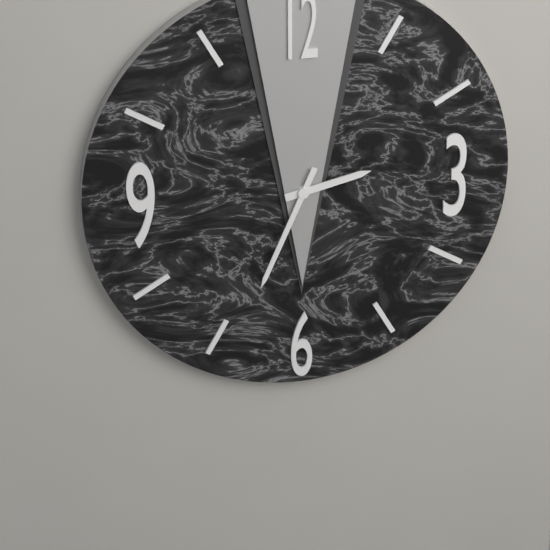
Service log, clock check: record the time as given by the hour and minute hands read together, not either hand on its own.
2:34
